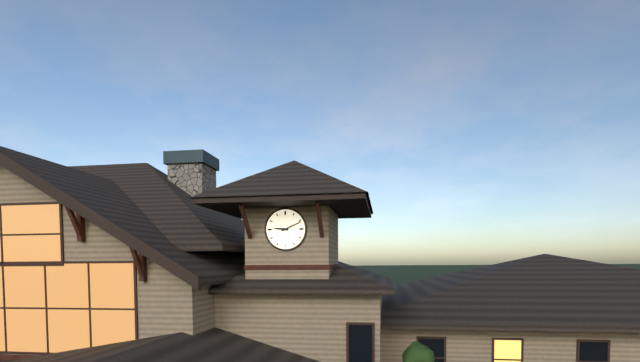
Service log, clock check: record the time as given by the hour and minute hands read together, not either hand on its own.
9:11
